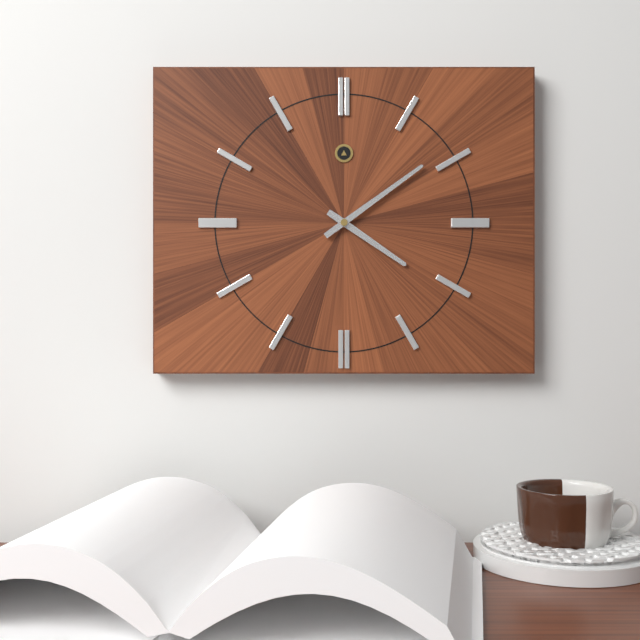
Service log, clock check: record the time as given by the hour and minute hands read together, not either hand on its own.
4:09
